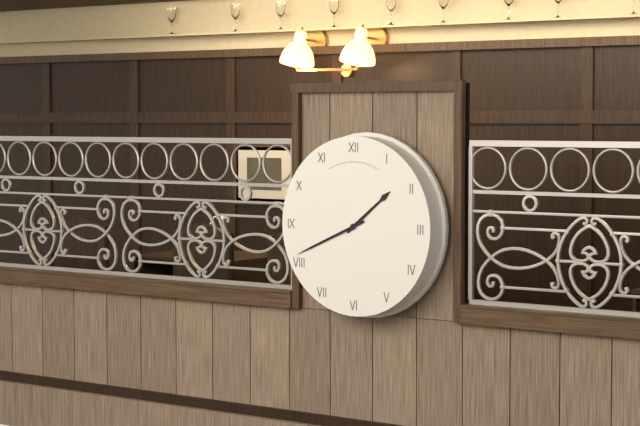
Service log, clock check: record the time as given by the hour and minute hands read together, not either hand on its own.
1:41
